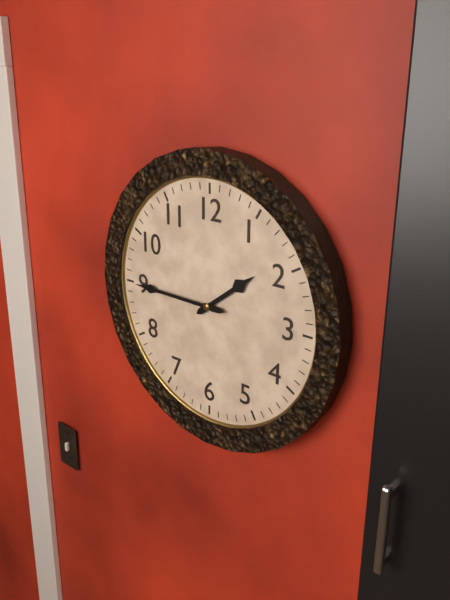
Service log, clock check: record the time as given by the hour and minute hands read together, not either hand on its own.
1:45
